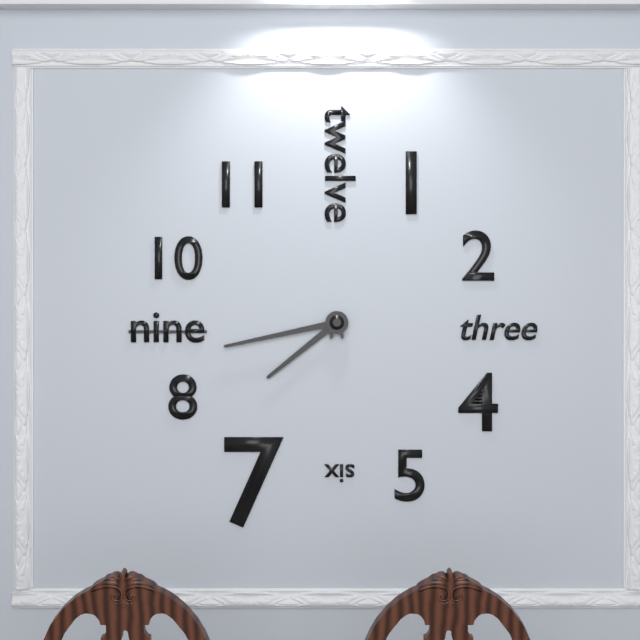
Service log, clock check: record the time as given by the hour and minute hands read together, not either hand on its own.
7:43
